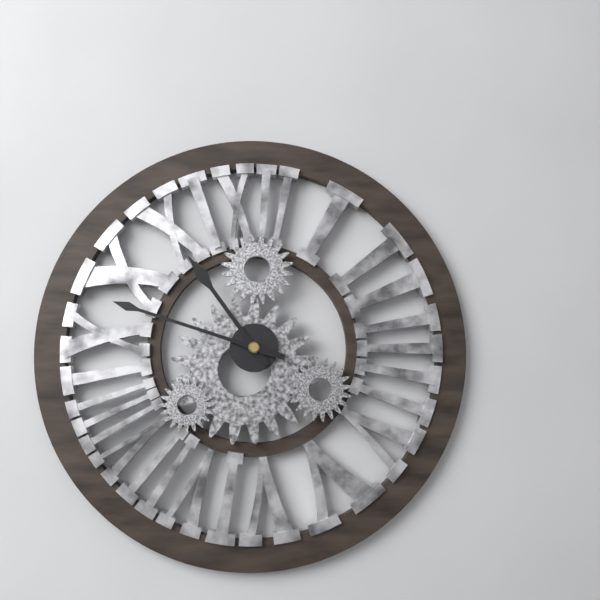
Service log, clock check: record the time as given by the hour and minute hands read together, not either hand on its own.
10:48
